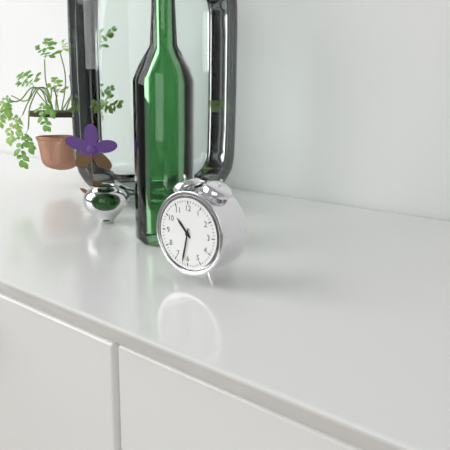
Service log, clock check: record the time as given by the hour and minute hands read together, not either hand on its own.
10:32
